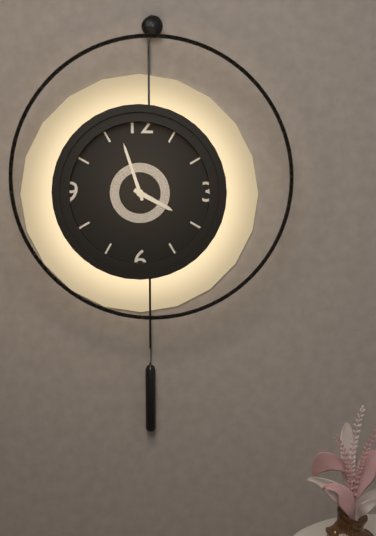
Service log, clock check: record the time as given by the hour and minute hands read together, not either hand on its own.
3:57
